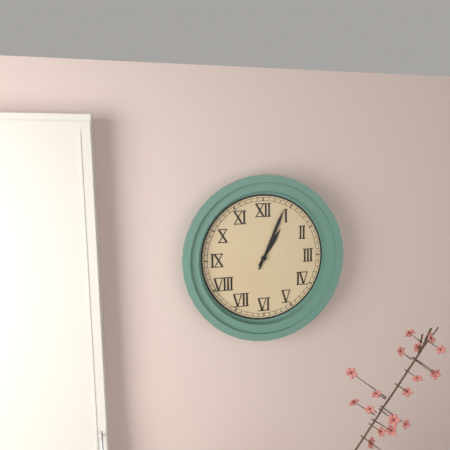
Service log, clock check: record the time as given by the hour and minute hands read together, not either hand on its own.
1:04
